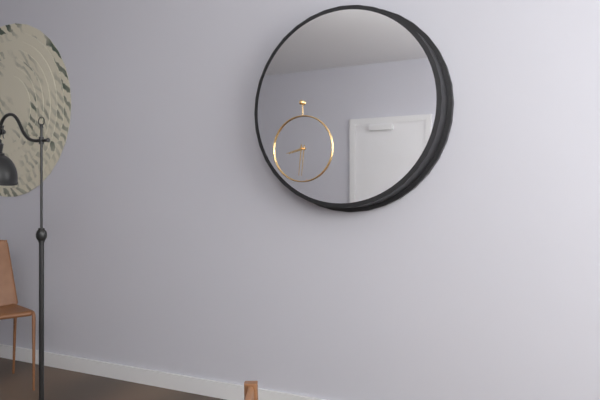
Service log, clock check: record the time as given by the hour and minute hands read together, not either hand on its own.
8:31
